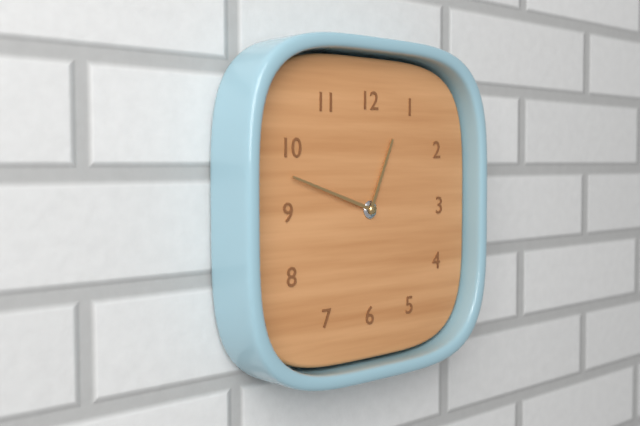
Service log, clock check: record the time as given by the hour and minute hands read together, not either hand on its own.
12:48
